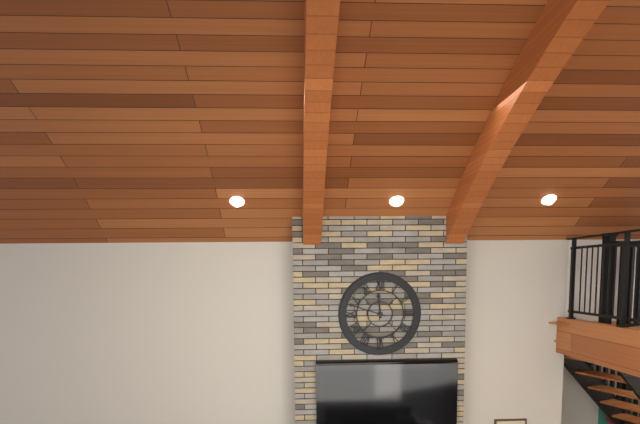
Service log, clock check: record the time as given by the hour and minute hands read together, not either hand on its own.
11:48
